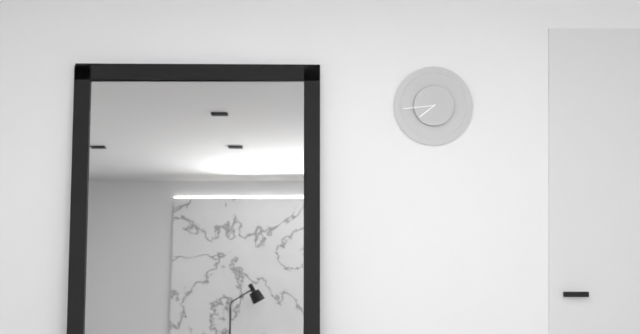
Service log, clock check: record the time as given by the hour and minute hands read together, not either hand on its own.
7:44
